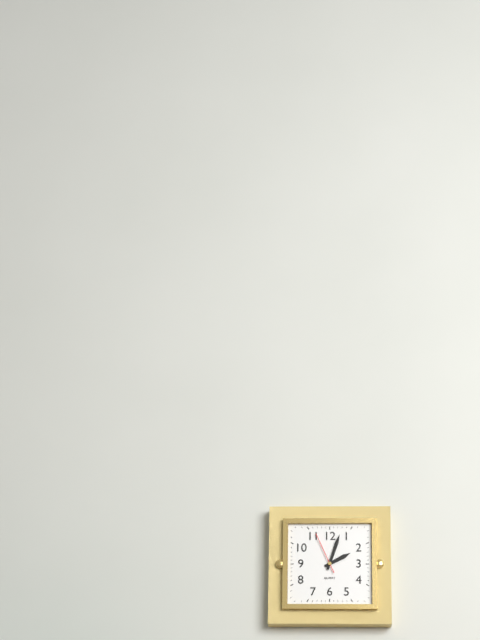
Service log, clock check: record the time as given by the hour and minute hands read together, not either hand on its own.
2:03
